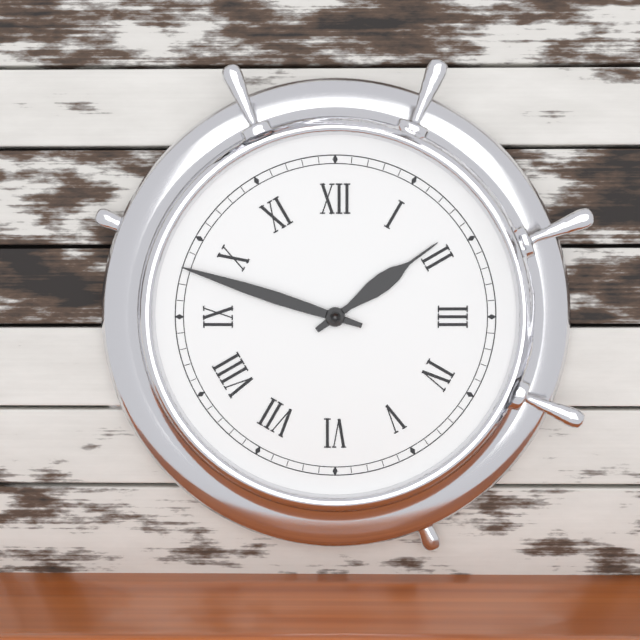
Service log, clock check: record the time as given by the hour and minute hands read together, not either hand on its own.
1:48
